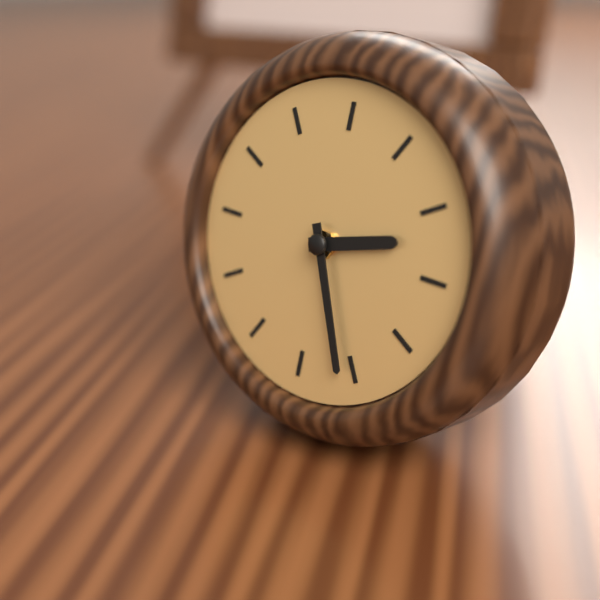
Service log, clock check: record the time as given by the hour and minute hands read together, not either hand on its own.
2:26
